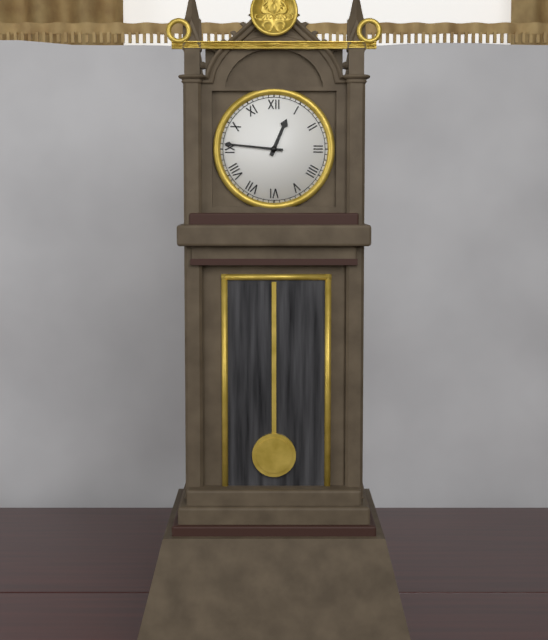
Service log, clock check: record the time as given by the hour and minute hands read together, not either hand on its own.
12:46
